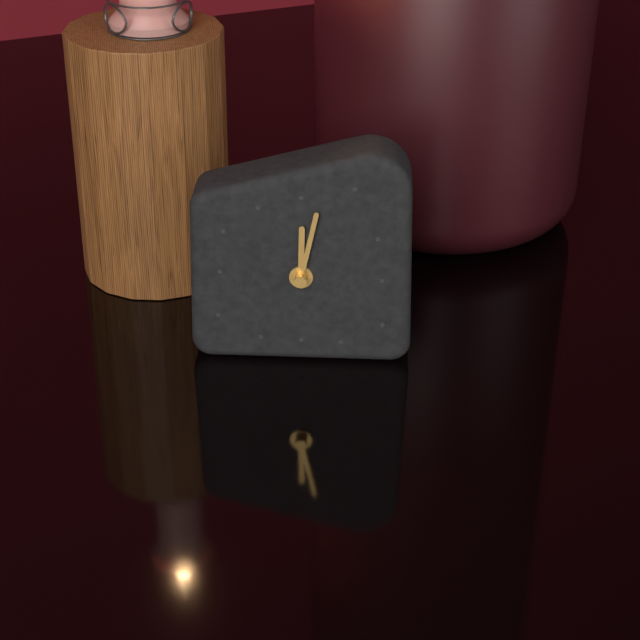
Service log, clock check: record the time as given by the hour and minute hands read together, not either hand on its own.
12:02
